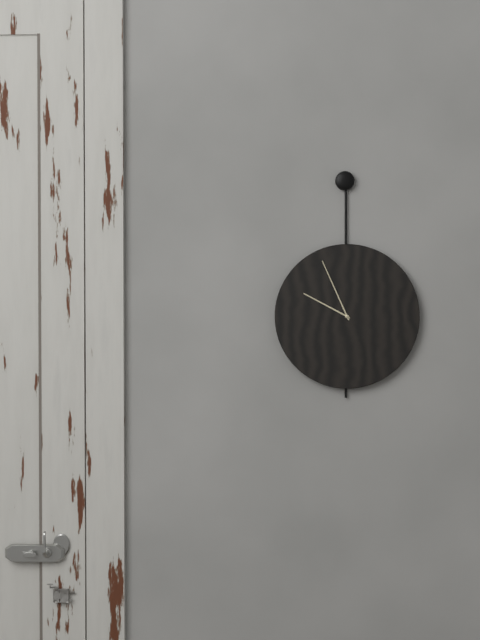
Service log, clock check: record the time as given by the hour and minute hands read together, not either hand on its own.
9:56
